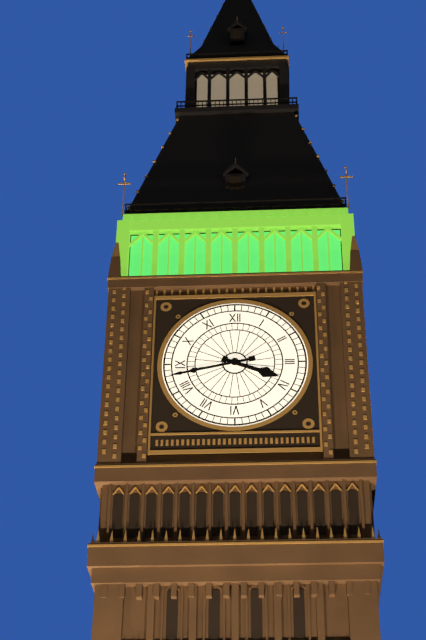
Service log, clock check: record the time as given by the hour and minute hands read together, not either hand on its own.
3:43
